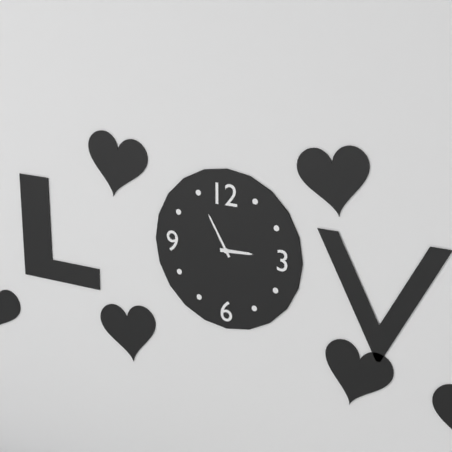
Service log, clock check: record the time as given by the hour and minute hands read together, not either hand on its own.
2:55
